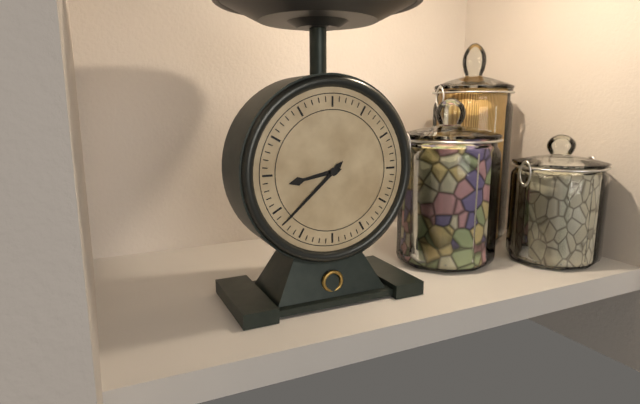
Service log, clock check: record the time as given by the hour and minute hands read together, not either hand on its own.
8:38
